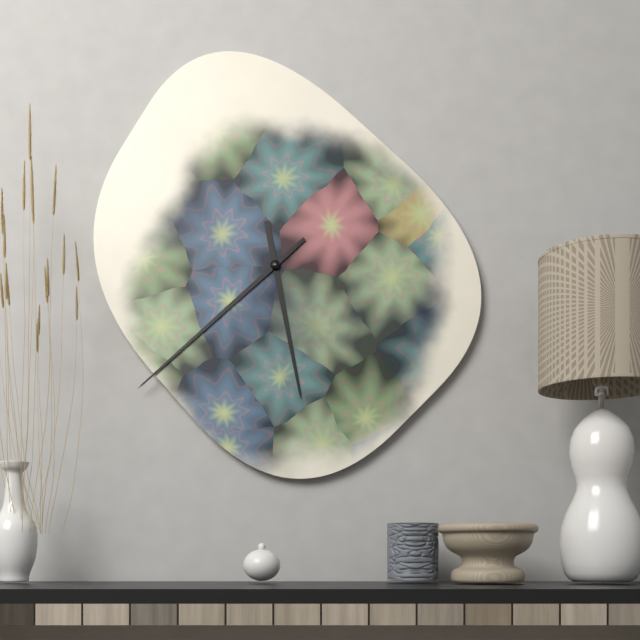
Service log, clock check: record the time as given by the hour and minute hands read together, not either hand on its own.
5:38
